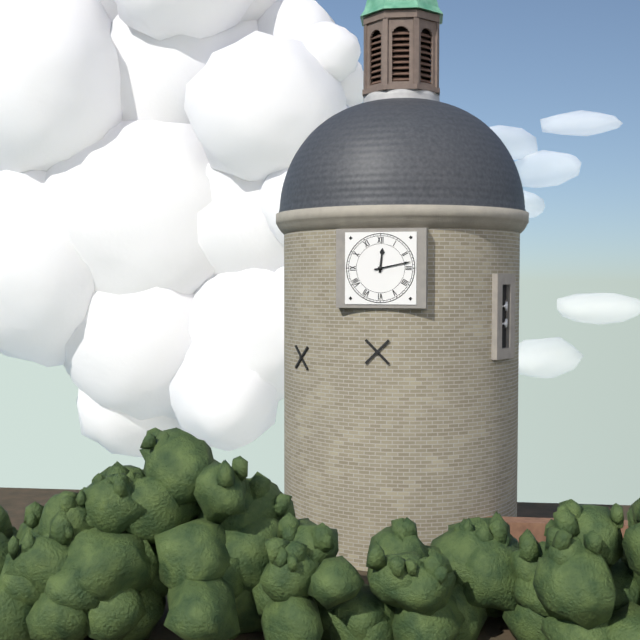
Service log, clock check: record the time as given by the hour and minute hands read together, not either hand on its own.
12:13
